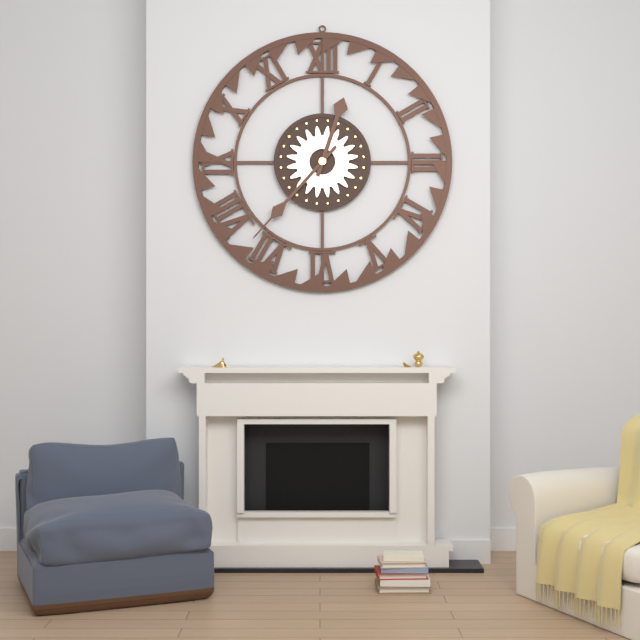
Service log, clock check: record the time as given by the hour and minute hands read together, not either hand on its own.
12:37
